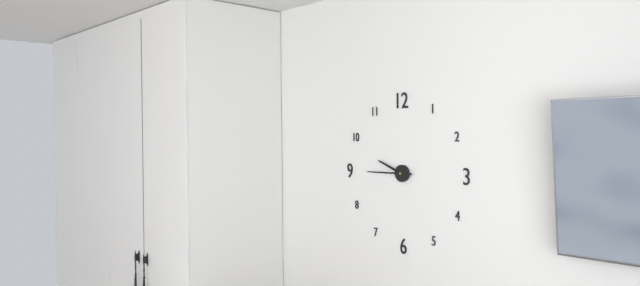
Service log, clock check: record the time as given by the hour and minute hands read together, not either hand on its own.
9:45
